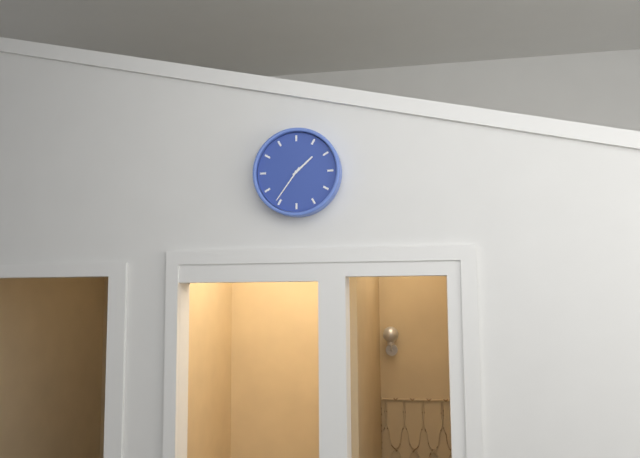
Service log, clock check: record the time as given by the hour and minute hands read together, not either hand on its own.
1:36
